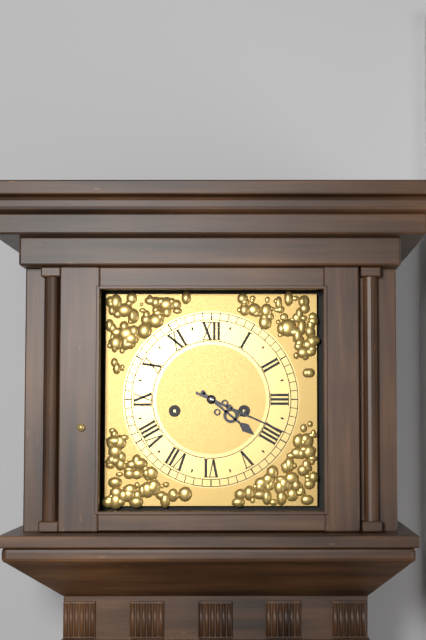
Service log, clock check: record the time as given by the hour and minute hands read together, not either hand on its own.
4:19
